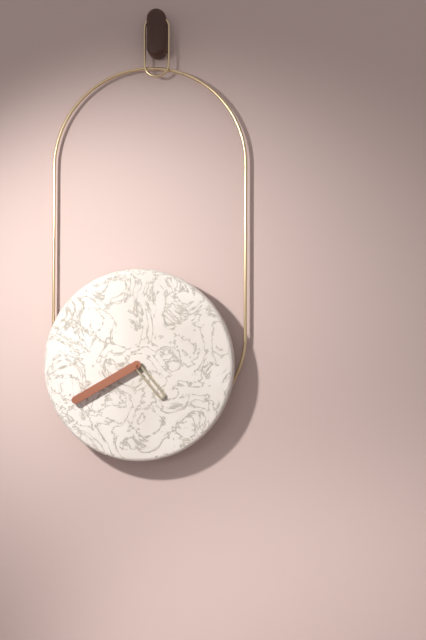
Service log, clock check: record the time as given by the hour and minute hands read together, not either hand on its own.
4:40
